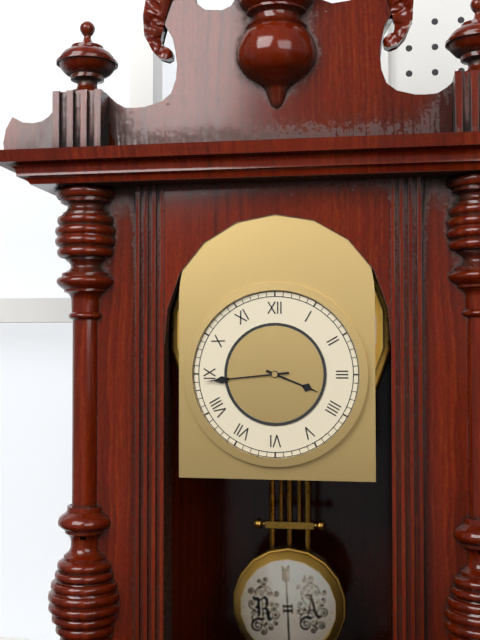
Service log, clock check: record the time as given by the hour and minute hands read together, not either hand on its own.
3:44
